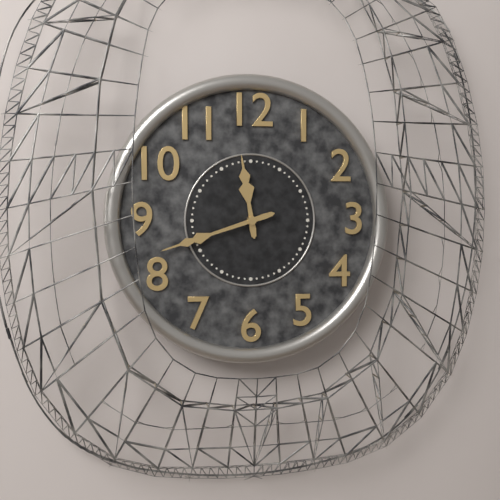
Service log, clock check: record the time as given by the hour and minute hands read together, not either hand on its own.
11:42
